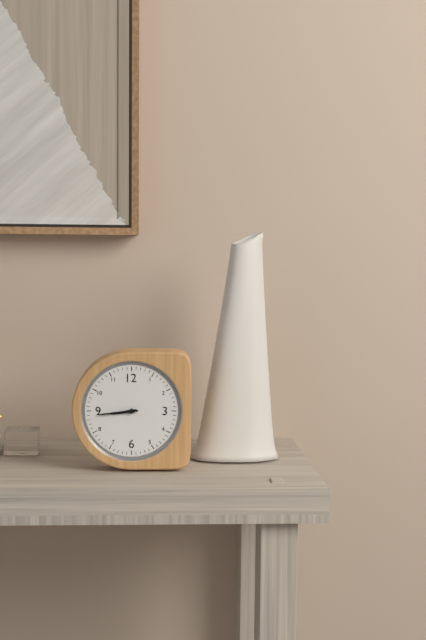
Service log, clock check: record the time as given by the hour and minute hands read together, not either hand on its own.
8:44
